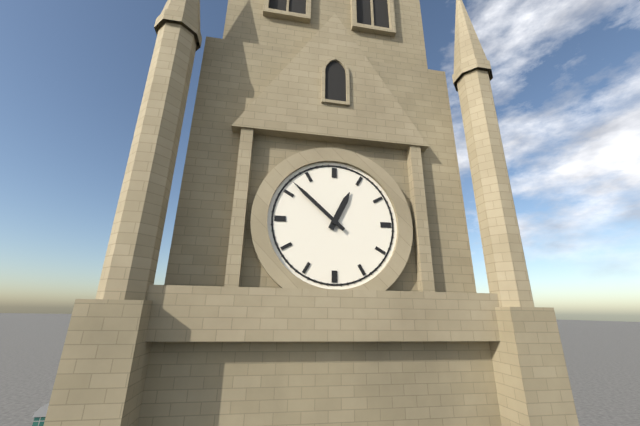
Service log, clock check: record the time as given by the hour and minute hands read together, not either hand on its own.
12:52
